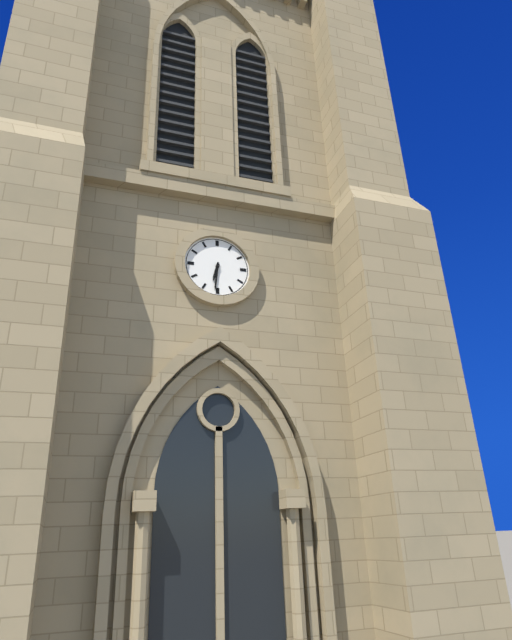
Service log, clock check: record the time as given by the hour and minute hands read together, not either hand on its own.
6:31
